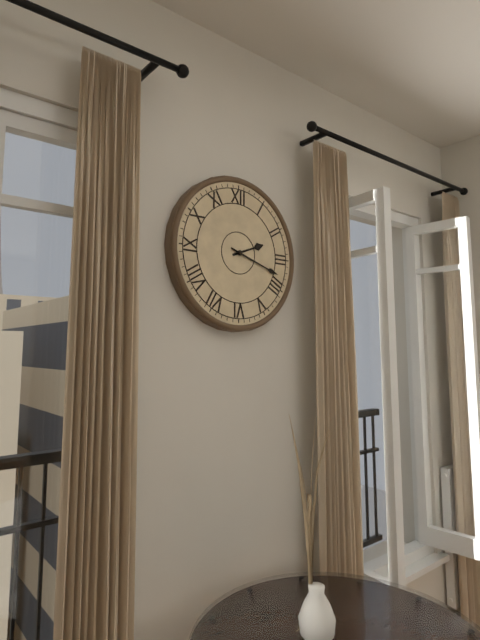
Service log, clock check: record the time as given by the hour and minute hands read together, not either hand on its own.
2:18
